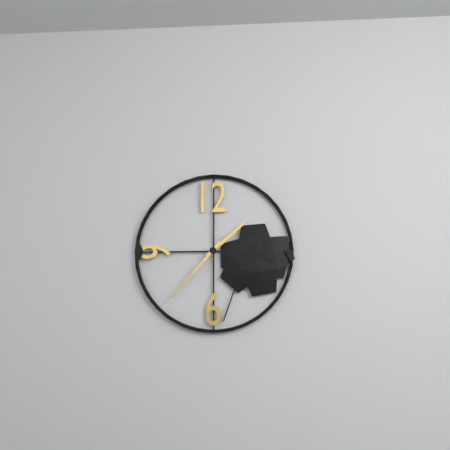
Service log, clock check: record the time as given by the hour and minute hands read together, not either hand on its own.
1:37
